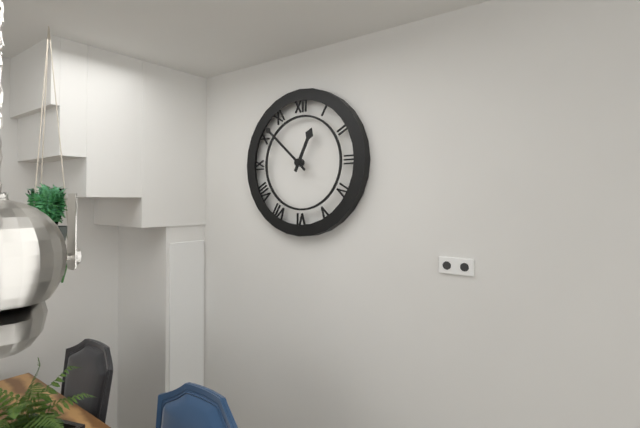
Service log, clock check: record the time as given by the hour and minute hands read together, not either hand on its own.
12:52
